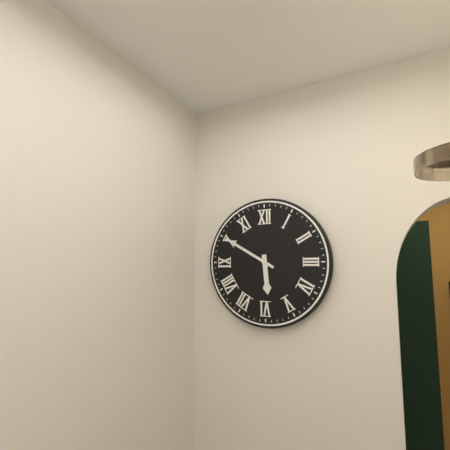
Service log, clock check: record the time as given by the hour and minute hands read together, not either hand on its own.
5:50
